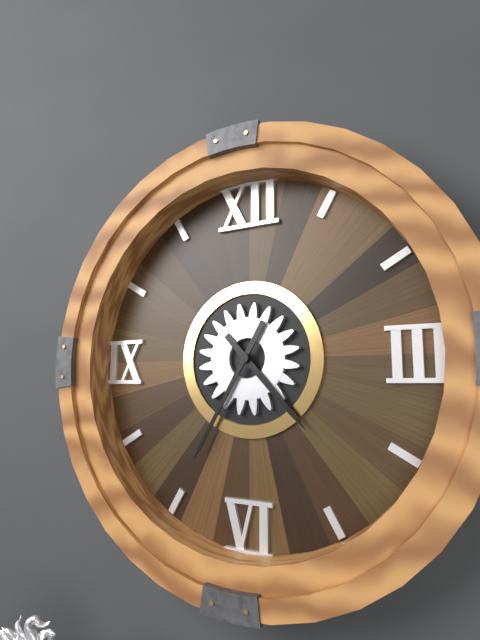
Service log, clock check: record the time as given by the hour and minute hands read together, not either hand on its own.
4:35
